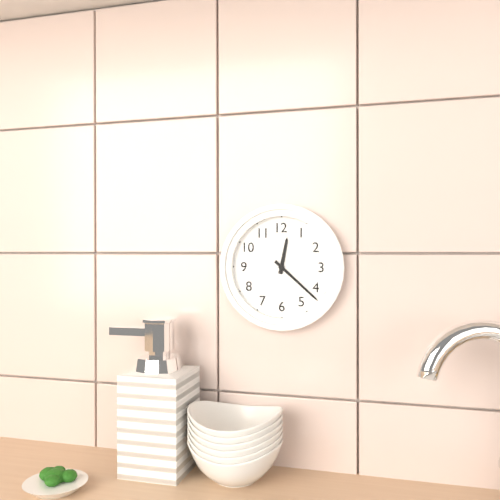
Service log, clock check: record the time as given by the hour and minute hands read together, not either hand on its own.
12:22
